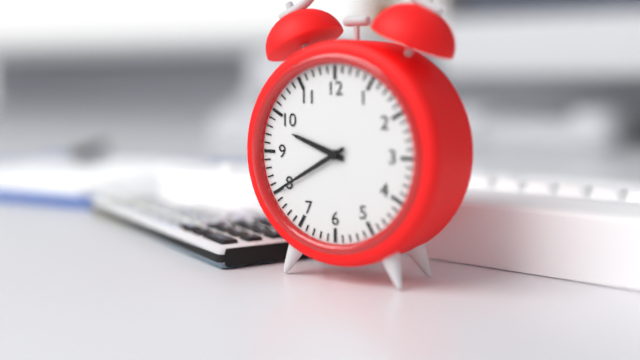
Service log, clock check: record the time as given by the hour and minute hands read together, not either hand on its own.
9:40
